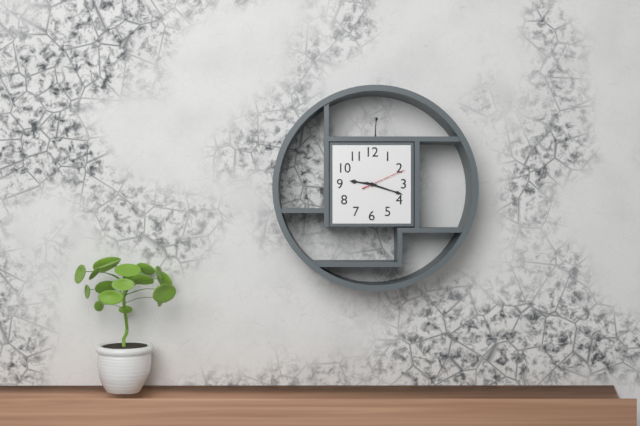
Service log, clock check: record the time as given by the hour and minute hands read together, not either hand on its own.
9:18
